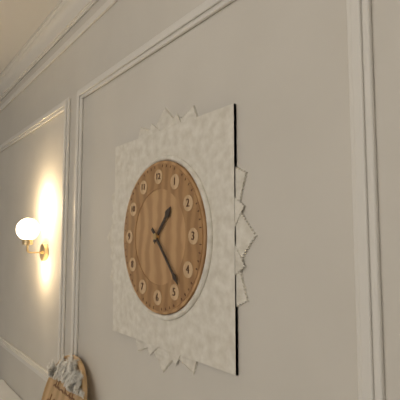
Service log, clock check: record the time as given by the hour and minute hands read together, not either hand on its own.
1:23
